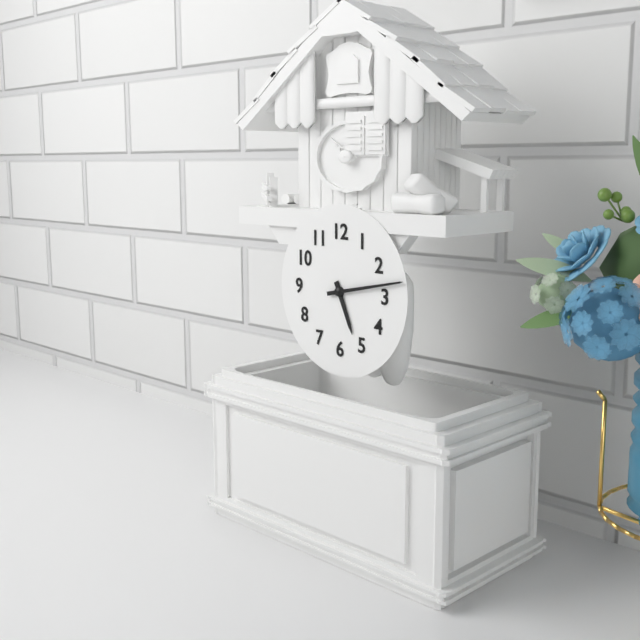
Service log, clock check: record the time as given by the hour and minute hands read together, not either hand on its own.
5:13
